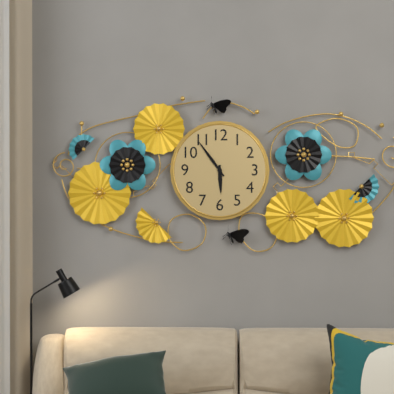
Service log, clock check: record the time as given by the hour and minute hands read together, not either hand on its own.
5:54
